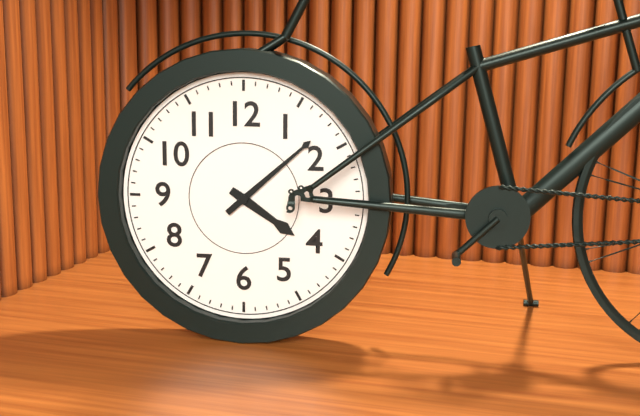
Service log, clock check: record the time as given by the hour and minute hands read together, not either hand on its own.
4:08
